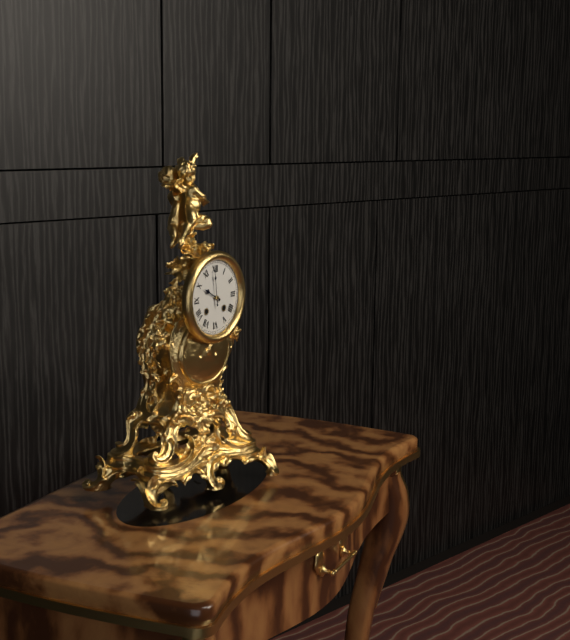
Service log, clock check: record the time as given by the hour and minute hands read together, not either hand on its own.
9:59
